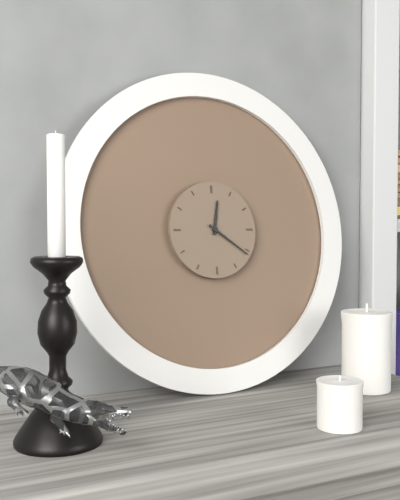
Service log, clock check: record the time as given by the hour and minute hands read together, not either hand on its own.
12:21
